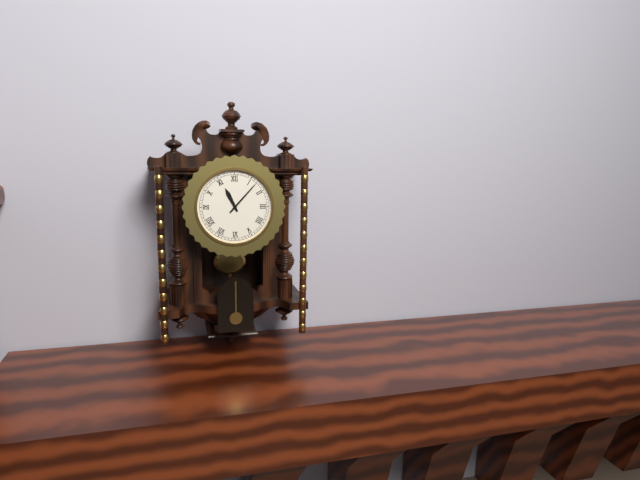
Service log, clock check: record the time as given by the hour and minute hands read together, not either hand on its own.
11:07
